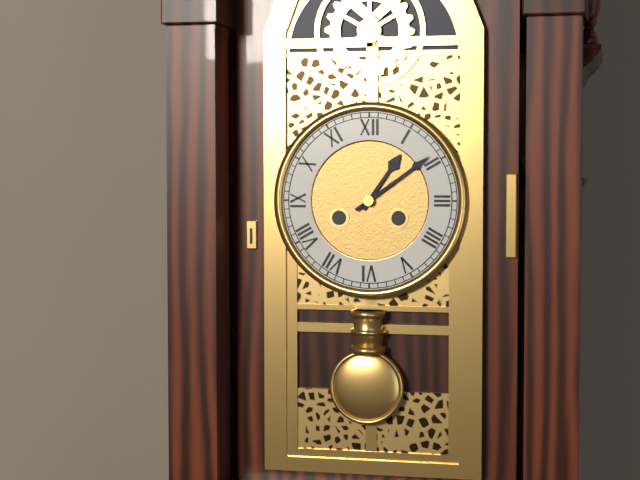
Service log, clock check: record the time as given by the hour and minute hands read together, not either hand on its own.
1:09
